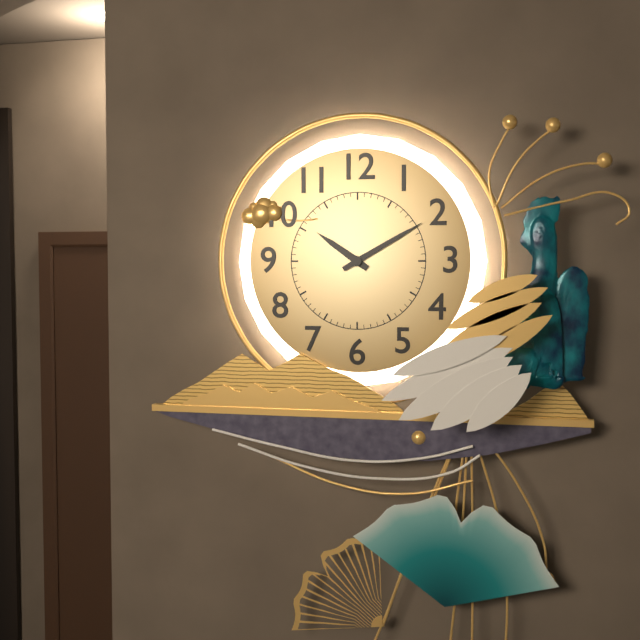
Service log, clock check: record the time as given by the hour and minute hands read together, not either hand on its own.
10:10
